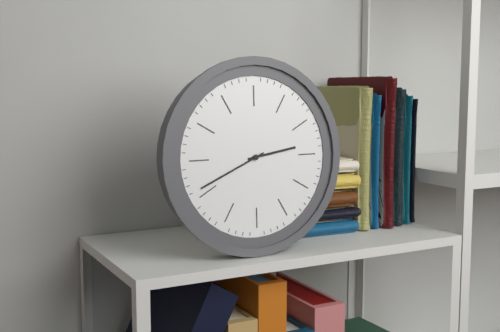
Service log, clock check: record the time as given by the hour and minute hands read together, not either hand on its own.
2:41
